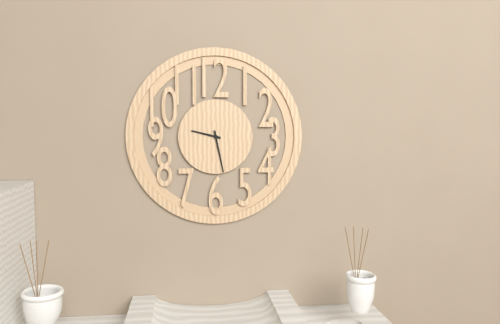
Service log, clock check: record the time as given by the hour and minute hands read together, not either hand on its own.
9:28
